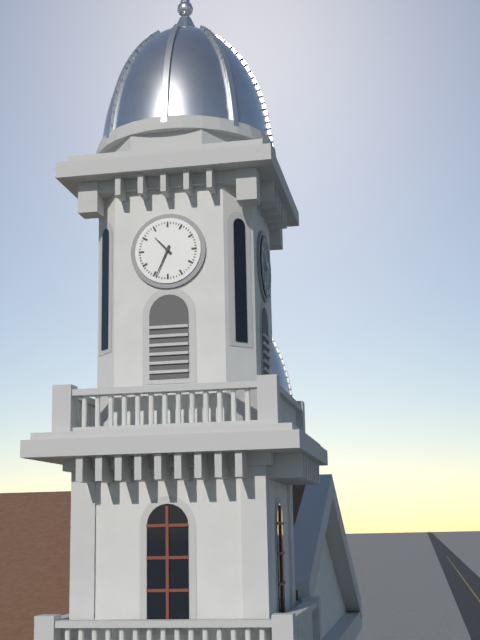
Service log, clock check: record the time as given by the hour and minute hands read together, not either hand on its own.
10:34
